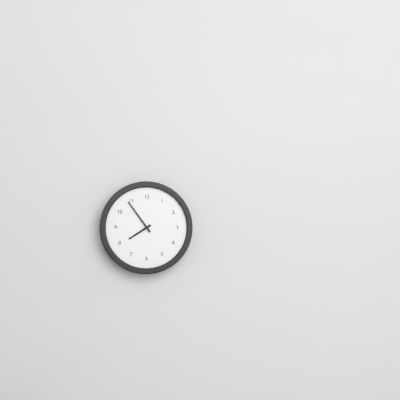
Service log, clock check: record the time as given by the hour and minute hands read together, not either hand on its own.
7:54
